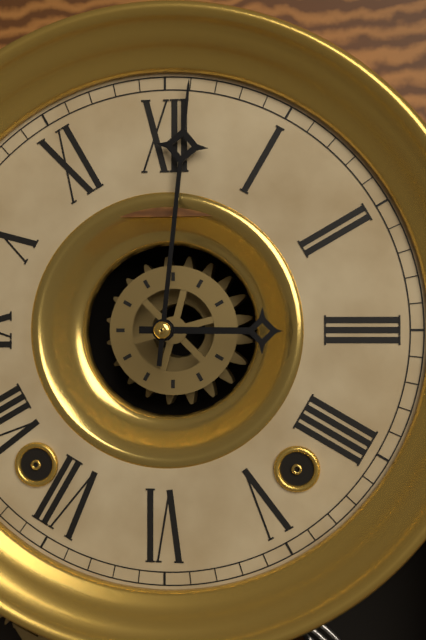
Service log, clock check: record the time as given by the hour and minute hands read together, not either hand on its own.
3:01
